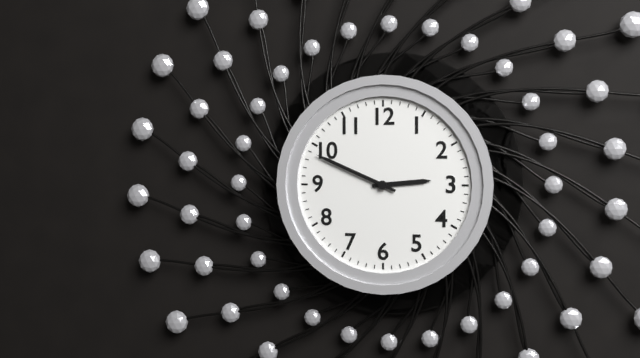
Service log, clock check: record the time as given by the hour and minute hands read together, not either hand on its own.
2:49
